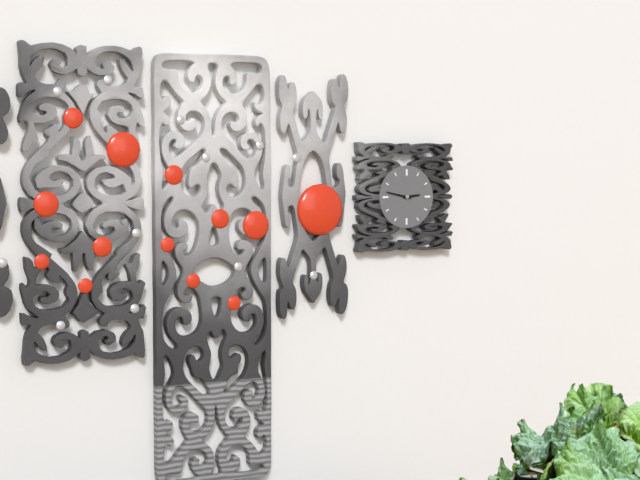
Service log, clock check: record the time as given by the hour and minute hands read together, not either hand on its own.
2:47
